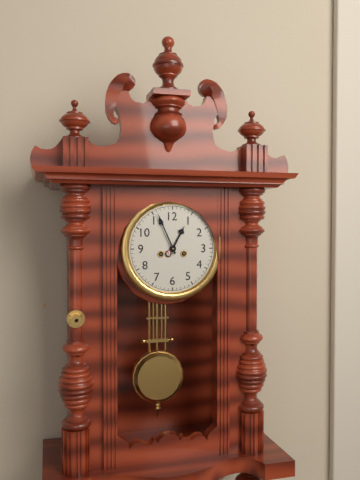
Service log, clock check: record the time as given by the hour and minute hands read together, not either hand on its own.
12:56
